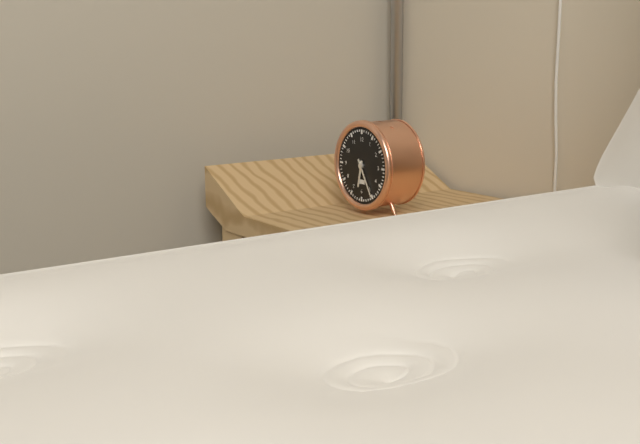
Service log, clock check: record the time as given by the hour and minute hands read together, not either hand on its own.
6:25
